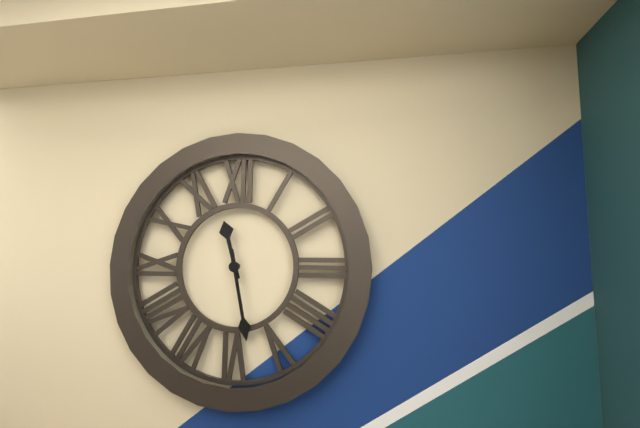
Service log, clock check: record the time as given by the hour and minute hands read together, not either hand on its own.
11:28
